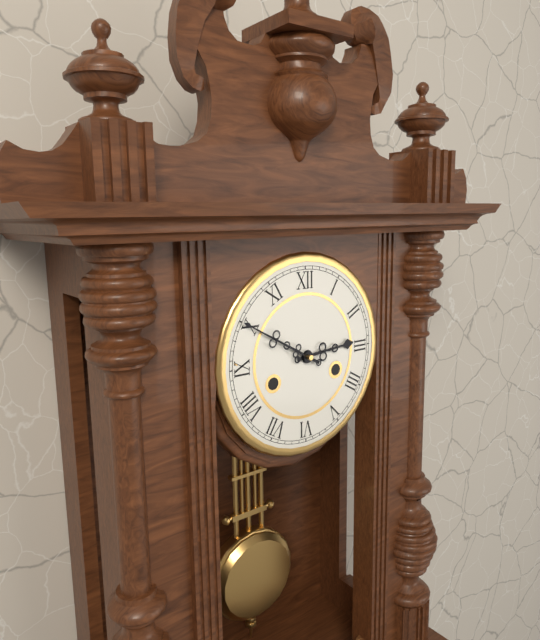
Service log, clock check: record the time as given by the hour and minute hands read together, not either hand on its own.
2:50
